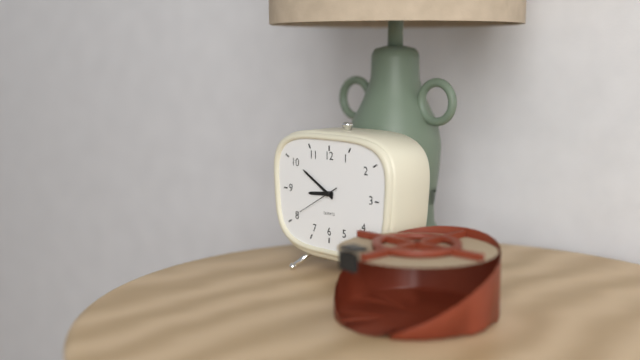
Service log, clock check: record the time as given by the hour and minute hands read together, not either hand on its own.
8:50
